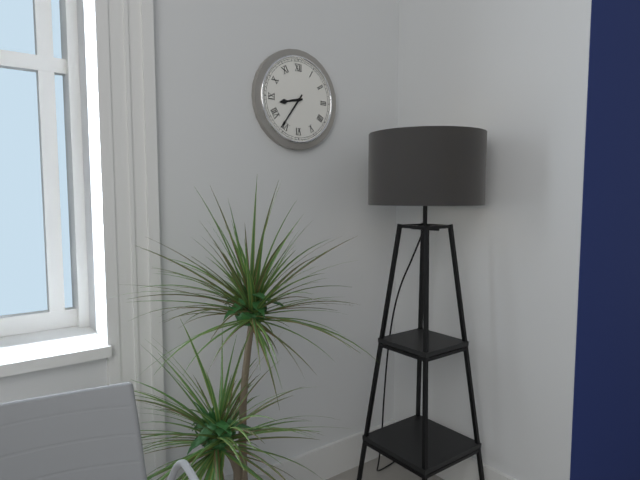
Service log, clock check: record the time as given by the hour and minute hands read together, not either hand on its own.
8:36
